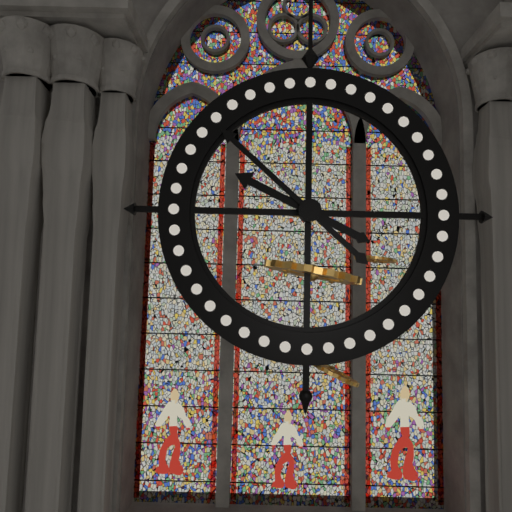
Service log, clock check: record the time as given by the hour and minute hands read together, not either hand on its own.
9:52
